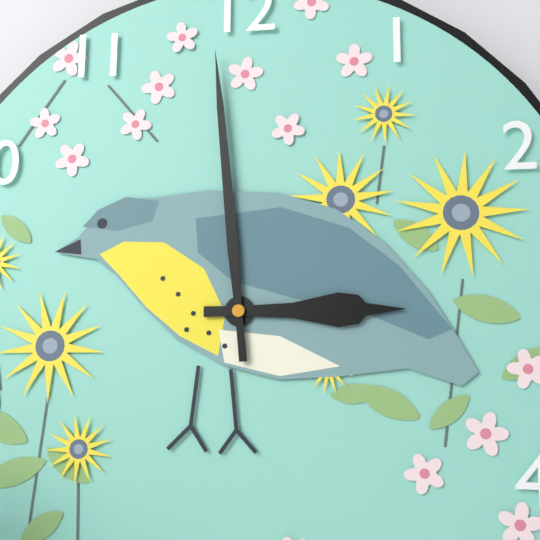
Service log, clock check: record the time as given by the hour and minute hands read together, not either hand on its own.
2:59
